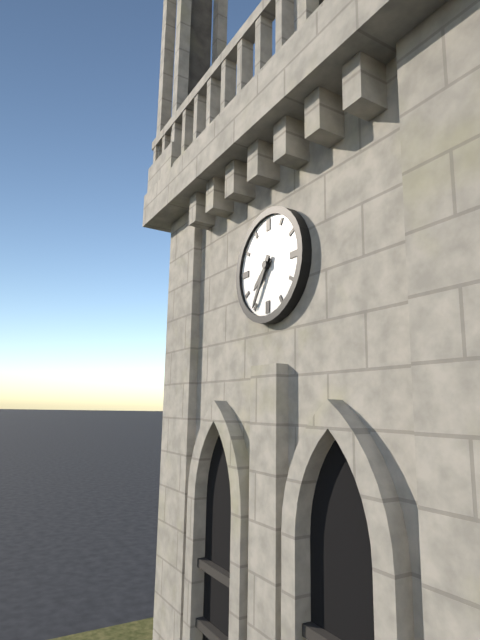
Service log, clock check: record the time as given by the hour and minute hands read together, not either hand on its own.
7:35
